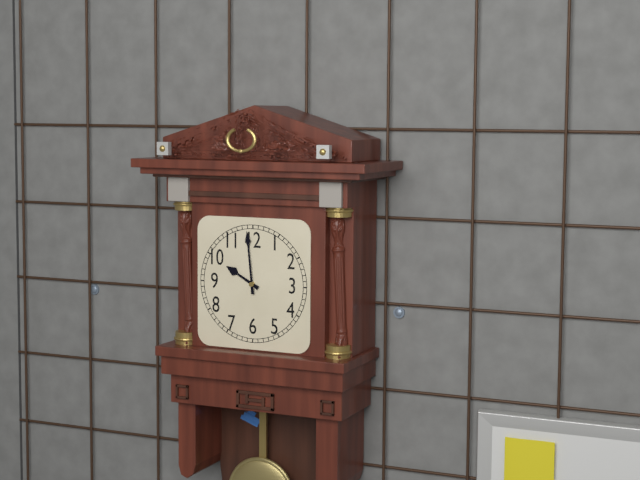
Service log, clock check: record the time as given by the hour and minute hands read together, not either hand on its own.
9:59
